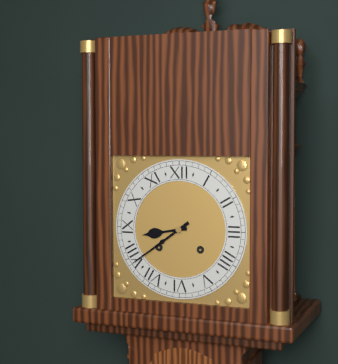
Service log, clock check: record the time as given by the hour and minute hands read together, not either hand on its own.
8:39
